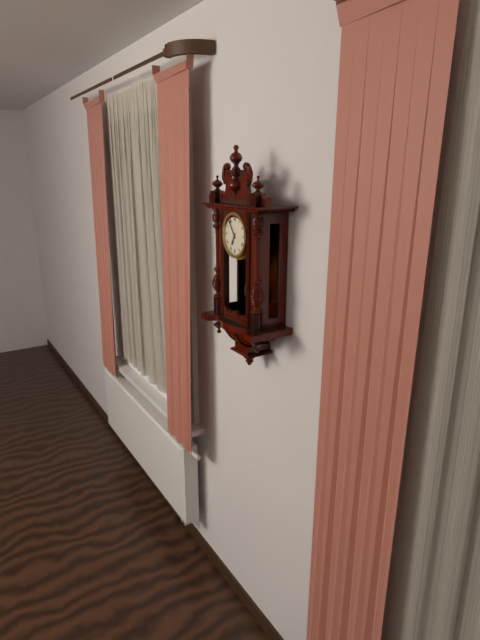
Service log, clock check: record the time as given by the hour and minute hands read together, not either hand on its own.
6:54
